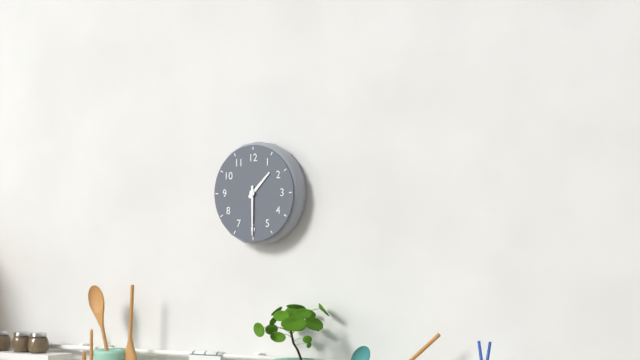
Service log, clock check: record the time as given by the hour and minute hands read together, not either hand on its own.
1:30
